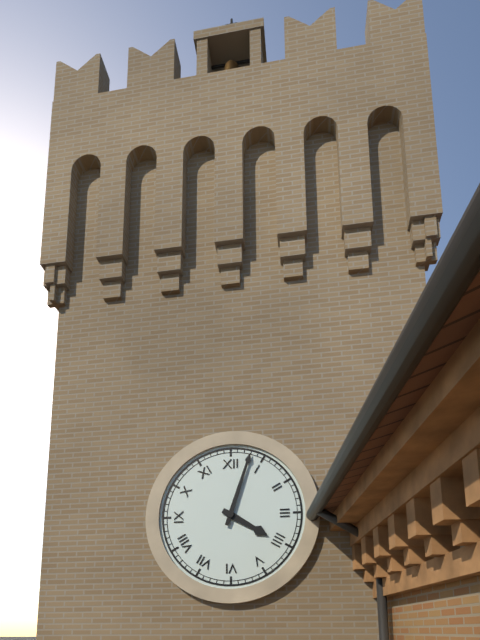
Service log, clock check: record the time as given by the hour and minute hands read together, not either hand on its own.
4:03
